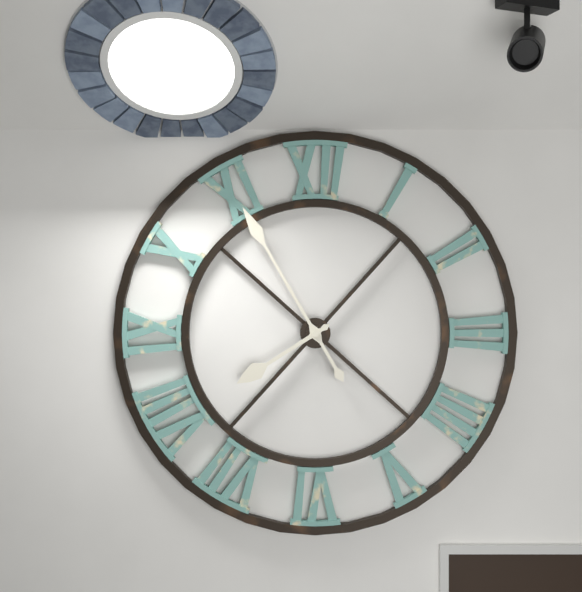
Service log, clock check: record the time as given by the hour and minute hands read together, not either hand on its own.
7:55
